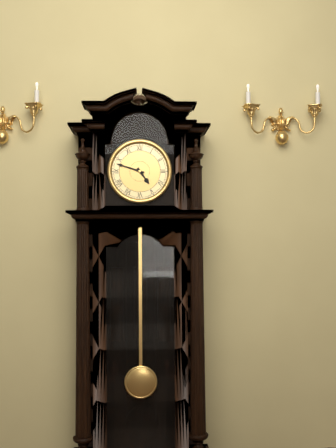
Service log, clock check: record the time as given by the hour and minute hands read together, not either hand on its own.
4:48
